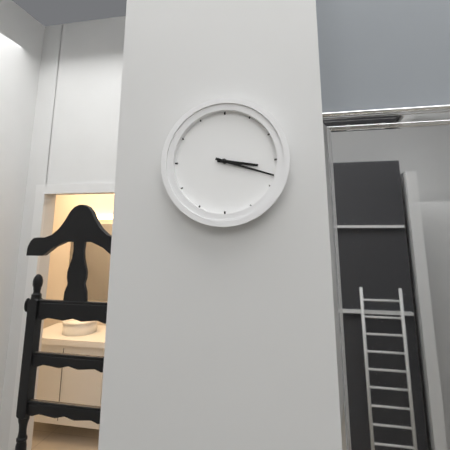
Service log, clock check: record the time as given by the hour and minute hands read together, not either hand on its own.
3:18
